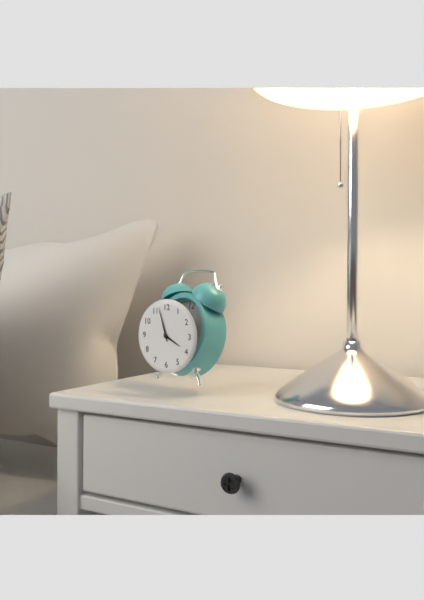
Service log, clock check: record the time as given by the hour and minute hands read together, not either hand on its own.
3:57
